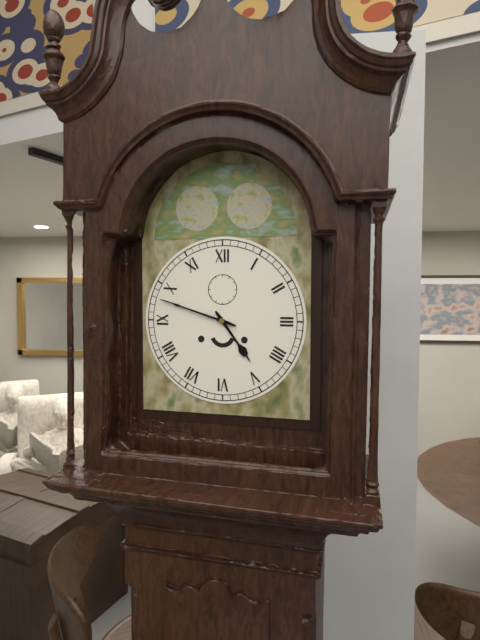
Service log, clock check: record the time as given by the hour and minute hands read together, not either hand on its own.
4:48
